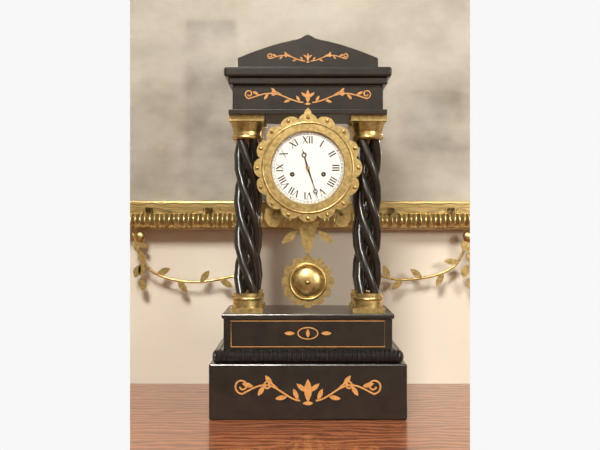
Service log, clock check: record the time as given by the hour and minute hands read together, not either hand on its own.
11:27
